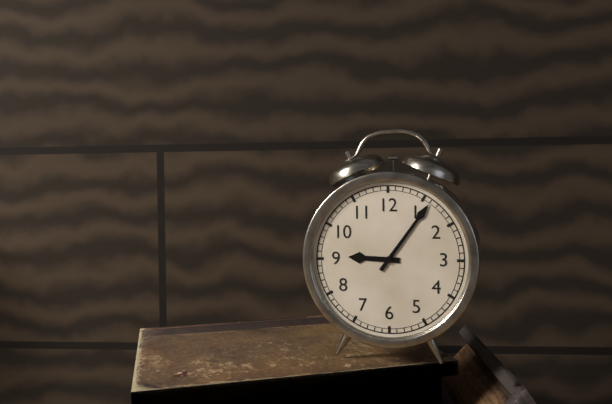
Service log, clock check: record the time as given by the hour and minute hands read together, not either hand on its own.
9:06
